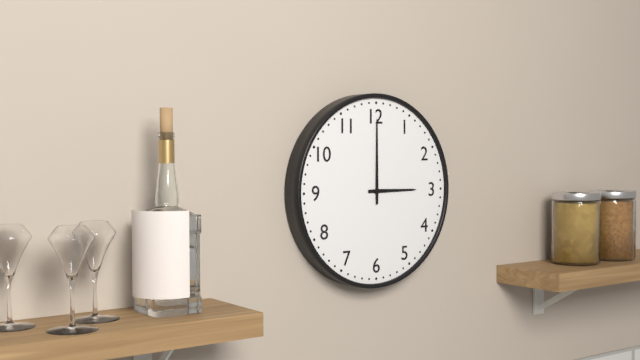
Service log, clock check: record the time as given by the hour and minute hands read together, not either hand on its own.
3:00
